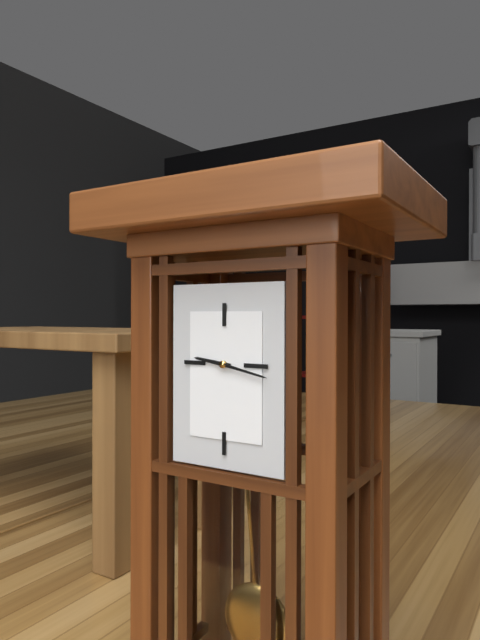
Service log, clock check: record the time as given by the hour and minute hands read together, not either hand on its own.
9:17
